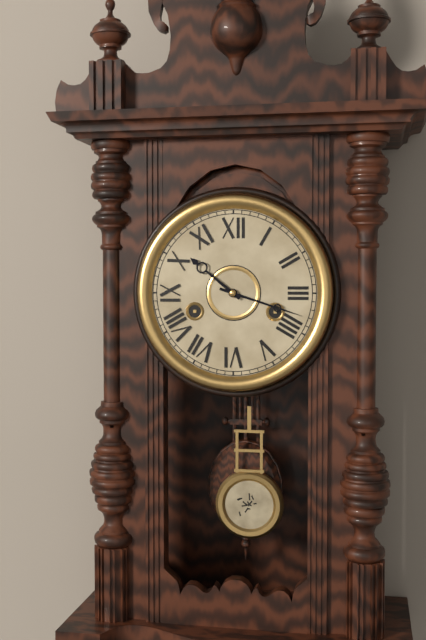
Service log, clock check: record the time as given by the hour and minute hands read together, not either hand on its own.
10:18
